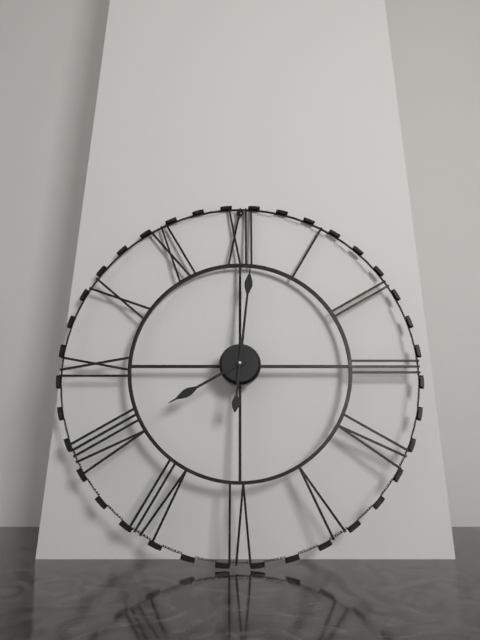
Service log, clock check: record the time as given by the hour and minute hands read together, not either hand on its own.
8:01
